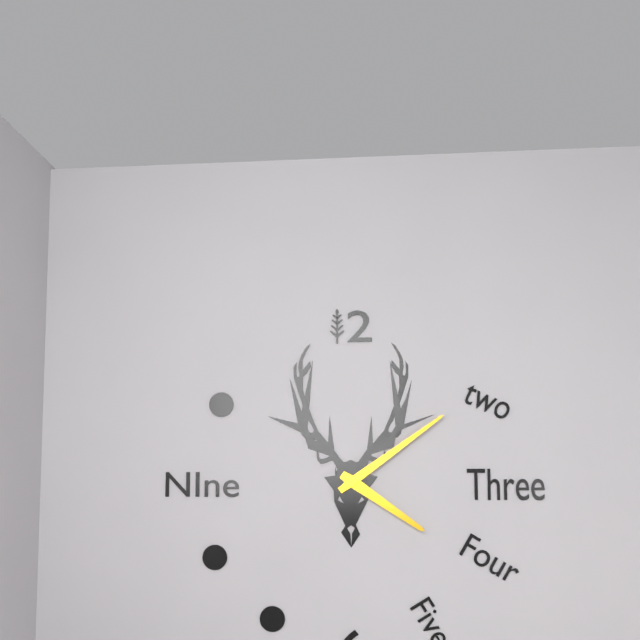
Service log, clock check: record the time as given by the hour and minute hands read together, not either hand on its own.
4:09
